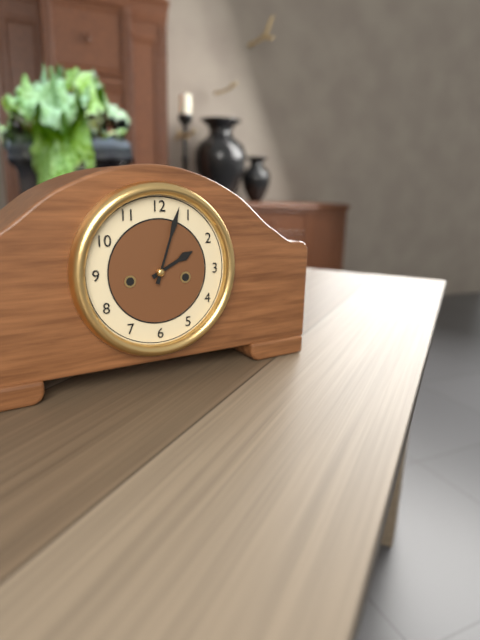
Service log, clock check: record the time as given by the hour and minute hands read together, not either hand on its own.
2:03
